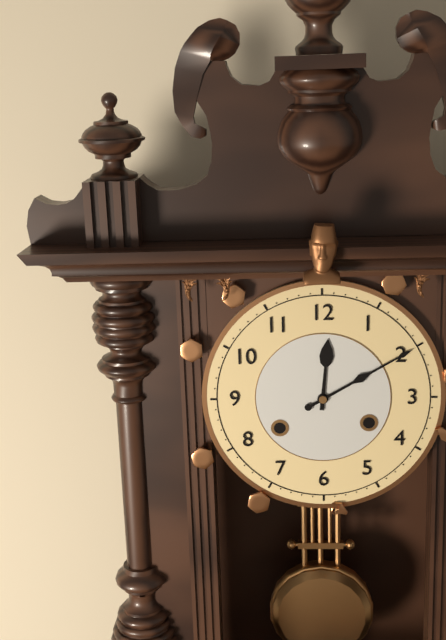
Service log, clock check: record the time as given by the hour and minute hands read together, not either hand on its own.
12:10
